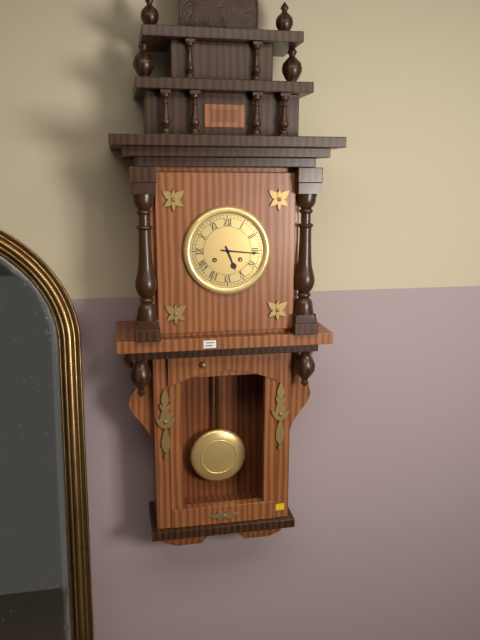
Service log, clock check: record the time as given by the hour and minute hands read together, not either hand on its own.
5:16
